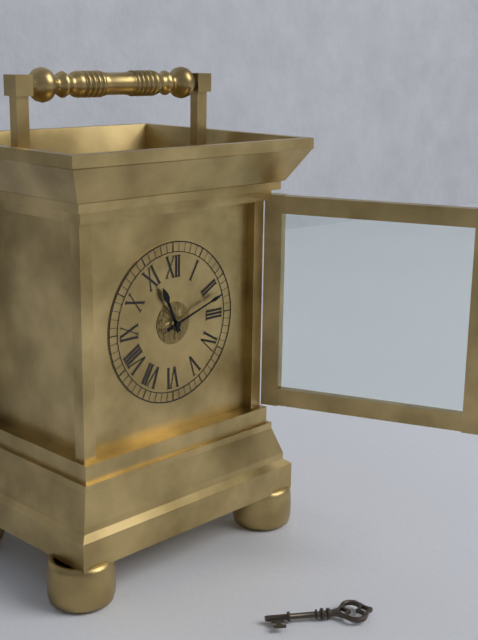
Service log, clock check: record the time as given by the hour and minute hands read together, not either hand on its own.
11:12
